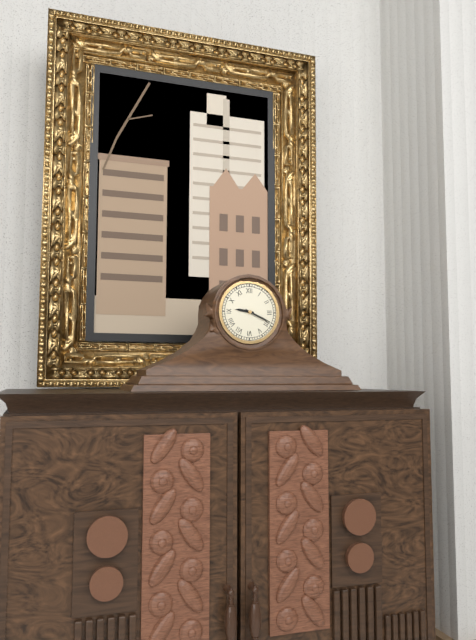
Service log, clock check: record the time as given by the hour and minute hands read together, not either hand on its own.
9:19
